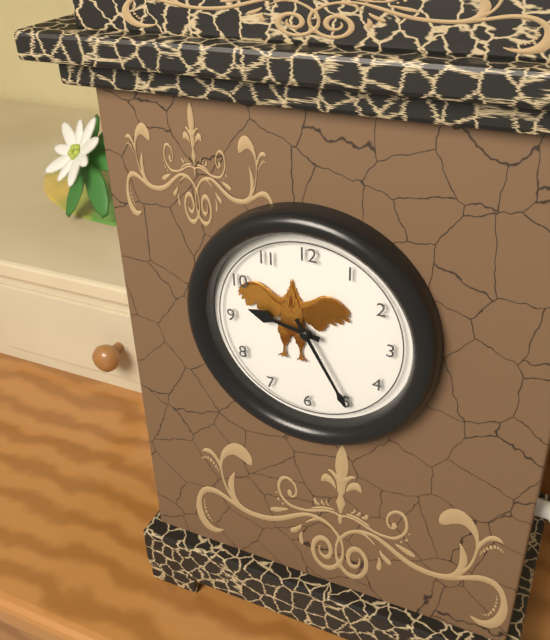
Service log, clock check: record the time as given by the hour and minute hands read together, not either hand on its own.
9:25
